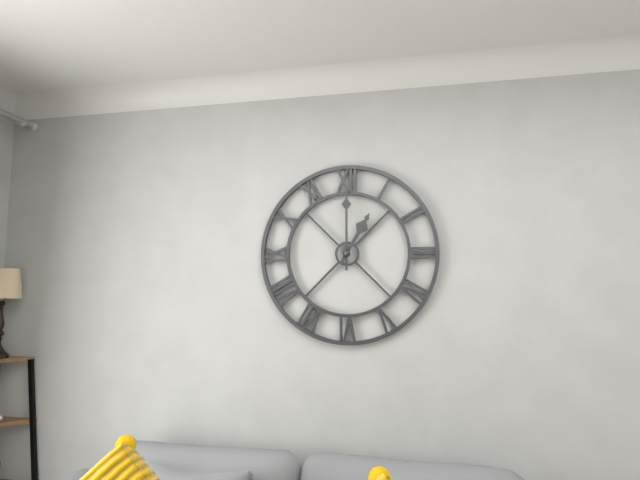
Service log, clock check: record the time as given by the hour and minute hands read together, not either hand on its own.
1:00
